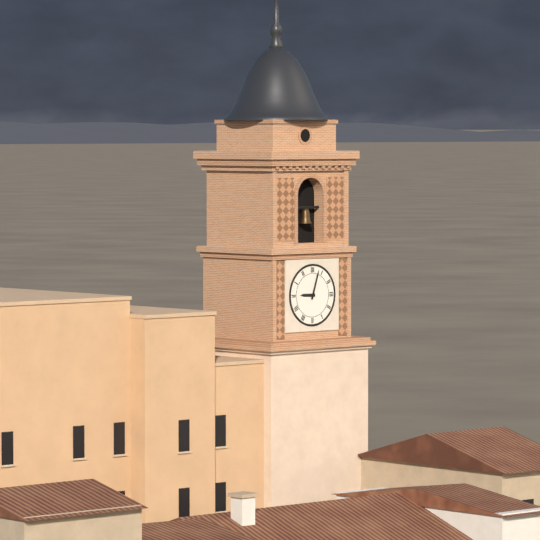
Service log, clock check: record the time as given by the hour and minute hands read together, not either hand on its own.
9:03
